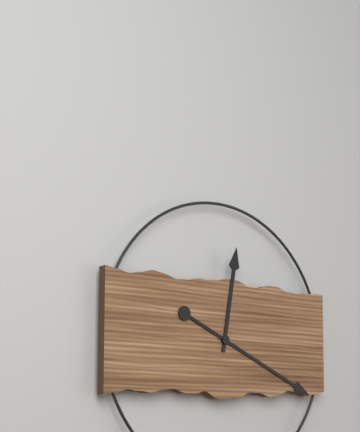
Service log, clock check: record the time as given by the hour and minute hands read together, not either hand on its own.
12:19
